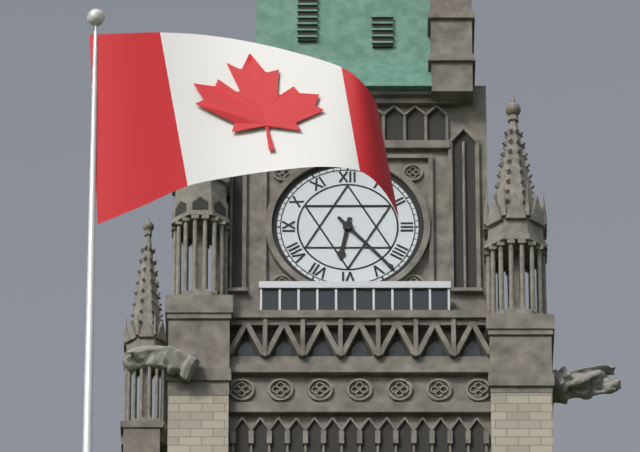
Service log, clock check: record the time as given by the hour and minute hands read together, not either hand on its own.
6:23
